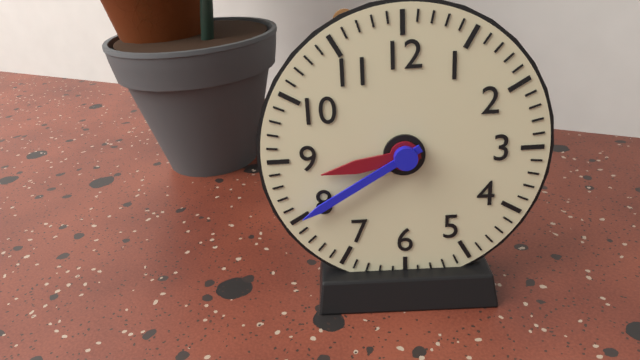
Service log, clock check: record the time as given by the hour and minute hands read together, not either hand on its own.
8:40
